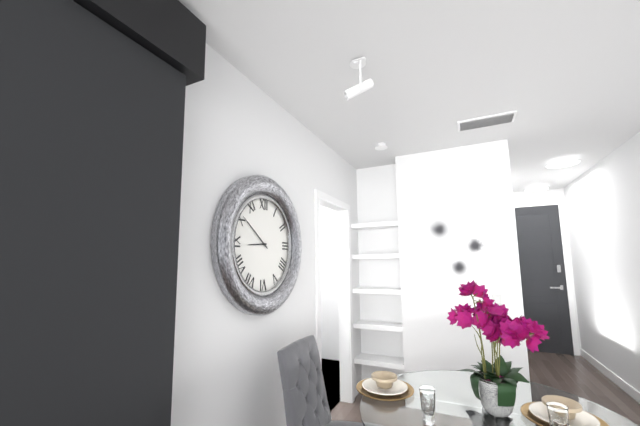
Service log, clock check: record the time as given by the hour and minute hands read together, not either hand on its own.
8:51
